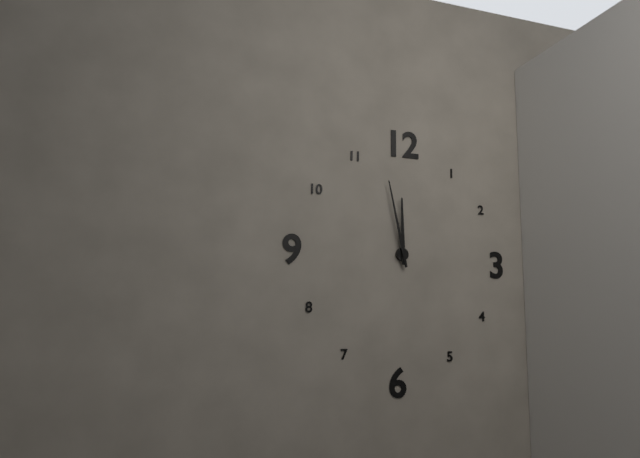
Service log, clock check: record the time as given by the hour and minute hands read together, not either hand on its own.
11:58
